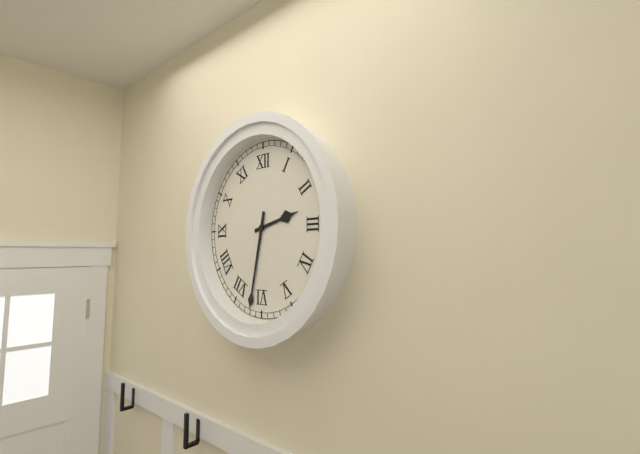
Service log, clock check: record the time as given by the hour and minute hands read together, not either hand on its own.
2:32
